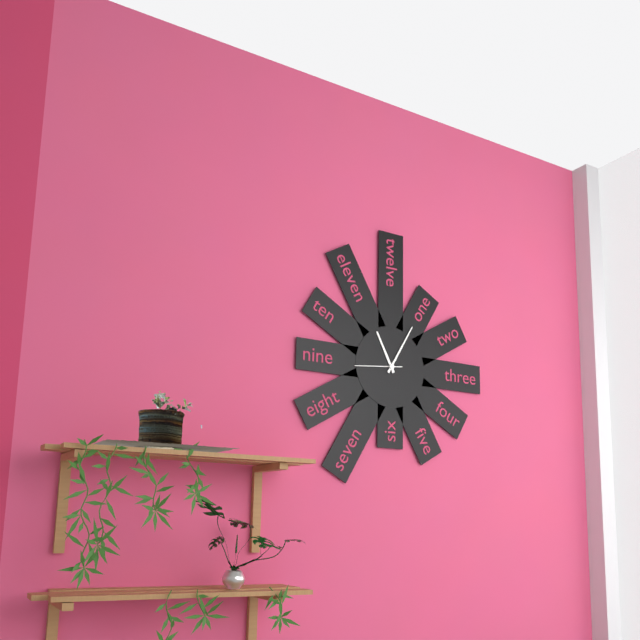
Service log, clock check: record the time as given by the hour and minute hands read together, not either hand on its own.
11:05
